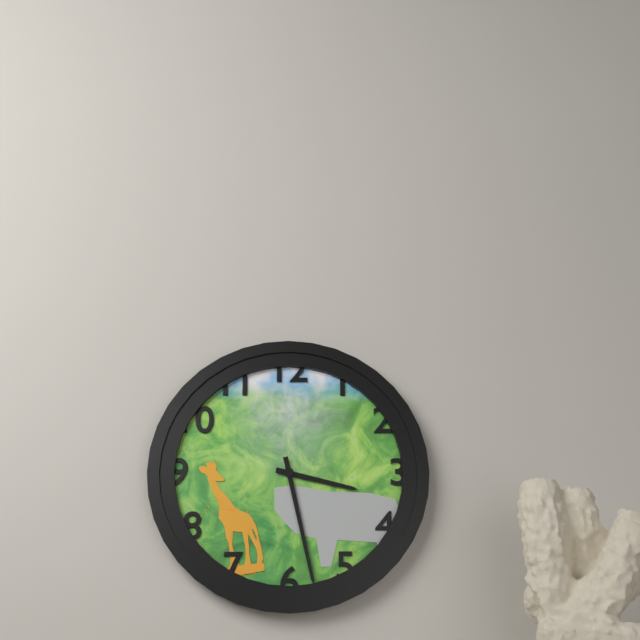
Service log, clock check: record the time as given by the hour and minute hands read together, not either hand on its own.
3:28
